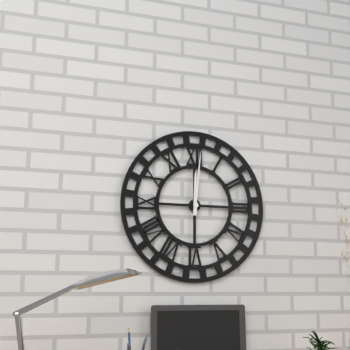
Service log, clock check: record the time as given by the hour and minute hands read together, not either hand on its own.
12:01
